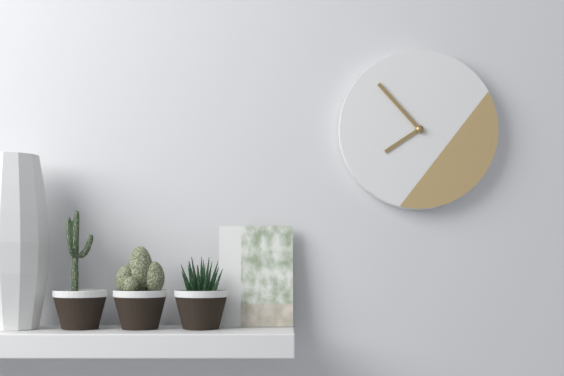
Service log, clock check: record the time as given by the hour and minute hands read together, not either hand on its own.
7:53
